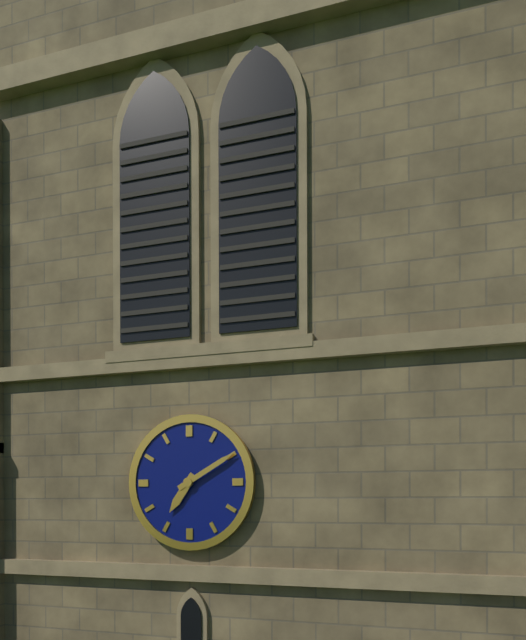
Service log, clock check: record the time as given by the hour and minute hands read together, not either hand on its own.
7:10
